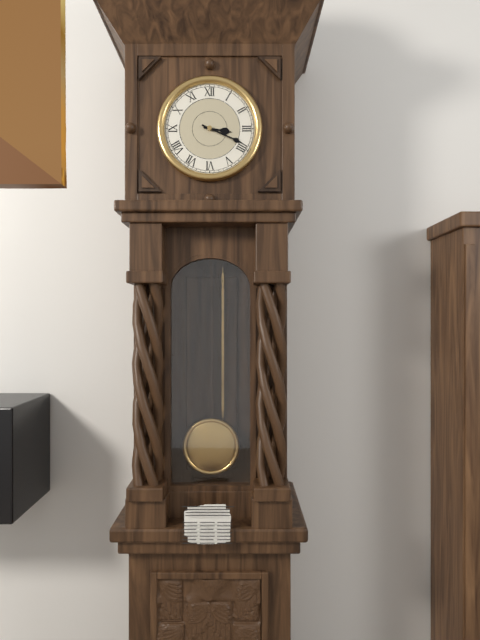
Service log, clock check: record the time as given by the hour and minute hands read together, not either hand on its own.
3:19
